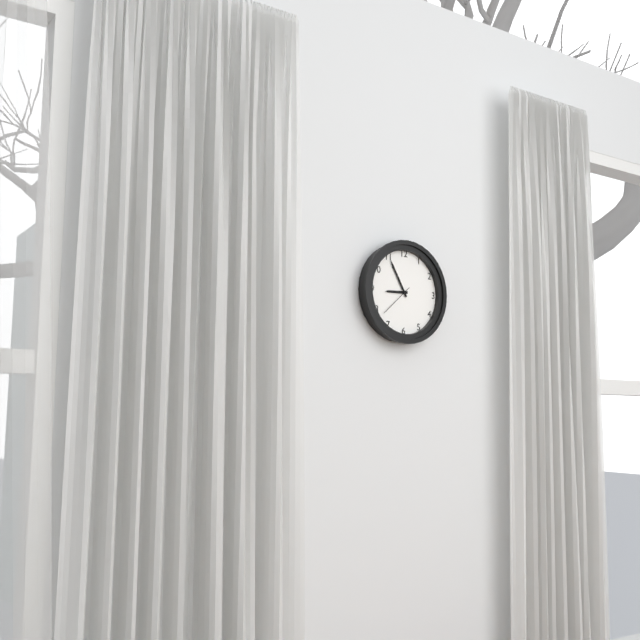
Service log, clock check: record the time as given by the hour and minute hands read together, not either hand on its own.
8:55
